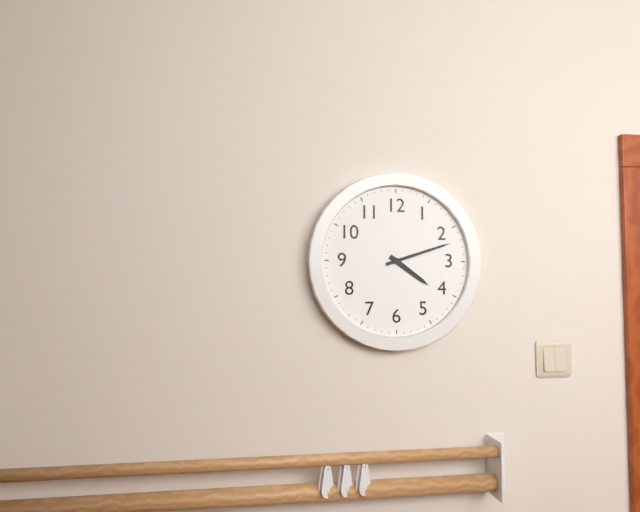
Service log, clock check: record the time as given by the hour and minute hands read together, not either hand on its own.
4:12
